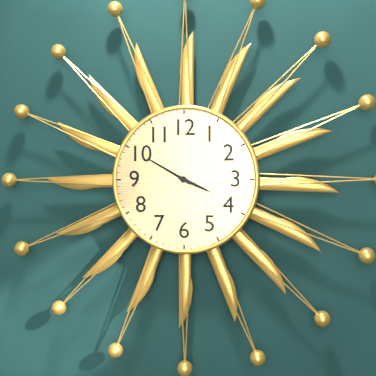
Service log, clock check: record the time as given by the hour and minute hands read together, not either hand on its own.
3:50
